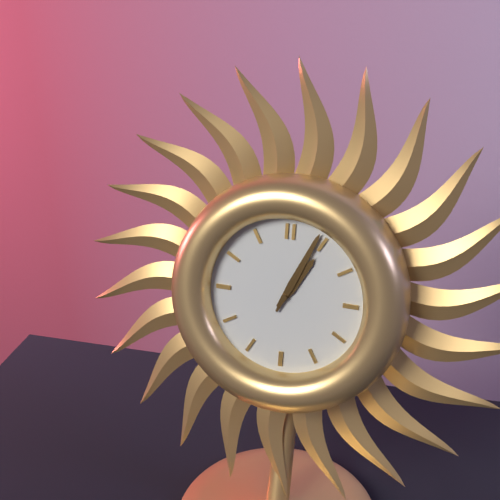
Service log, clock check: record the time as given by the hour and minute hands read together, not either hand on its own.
1:04
